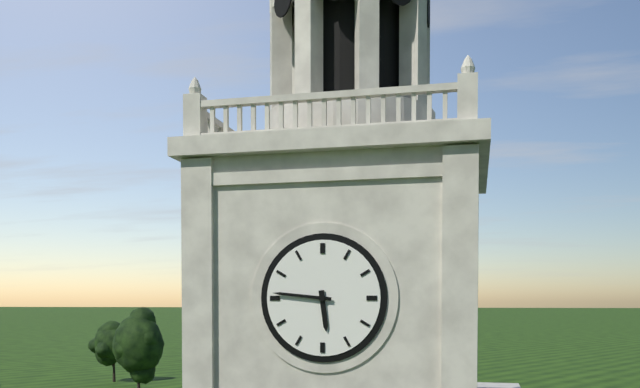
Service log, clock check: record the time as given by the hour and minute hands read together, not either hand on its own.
5:46
